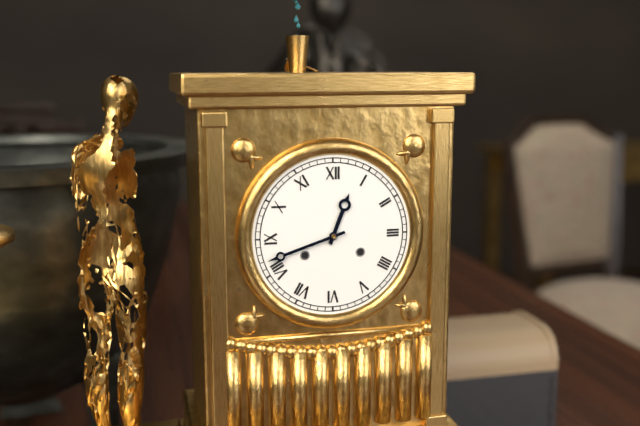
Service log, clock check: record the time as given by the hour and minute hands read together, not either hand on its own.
12:42
